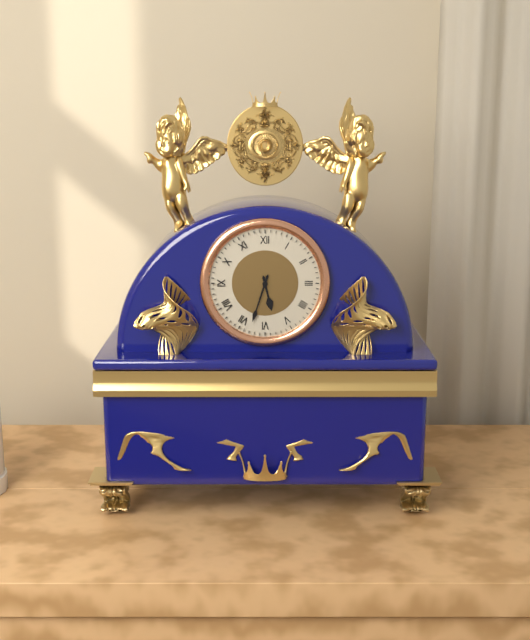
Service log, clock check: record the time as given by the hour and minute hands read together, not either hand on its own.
5:33
